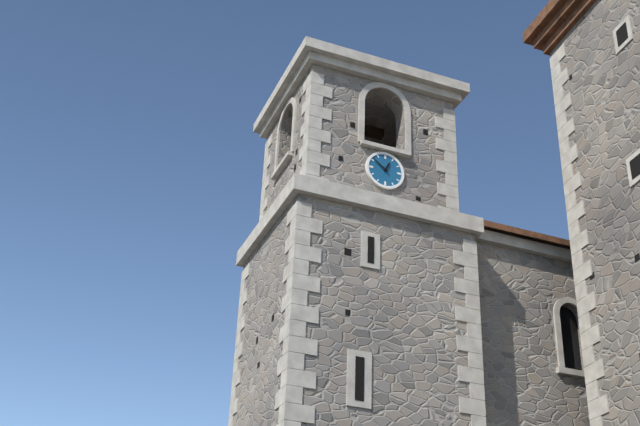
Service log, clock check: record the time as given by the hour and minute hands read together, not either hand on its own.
12:51
